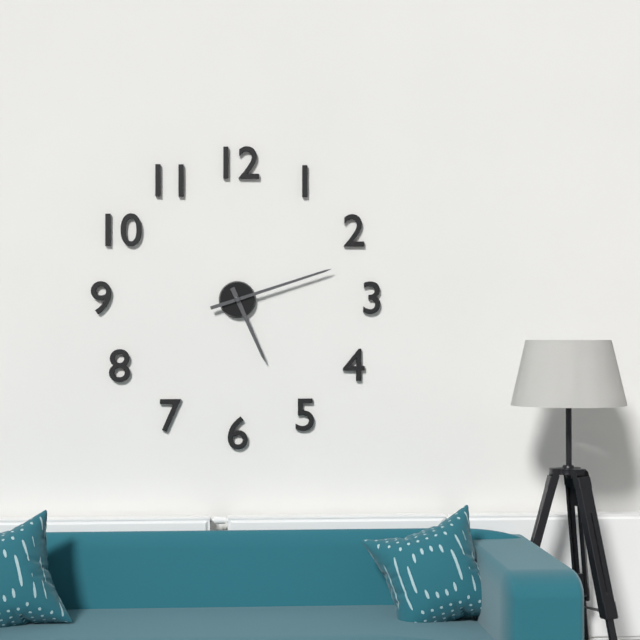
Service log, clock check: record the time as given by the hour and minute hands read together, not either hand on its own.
5:12
